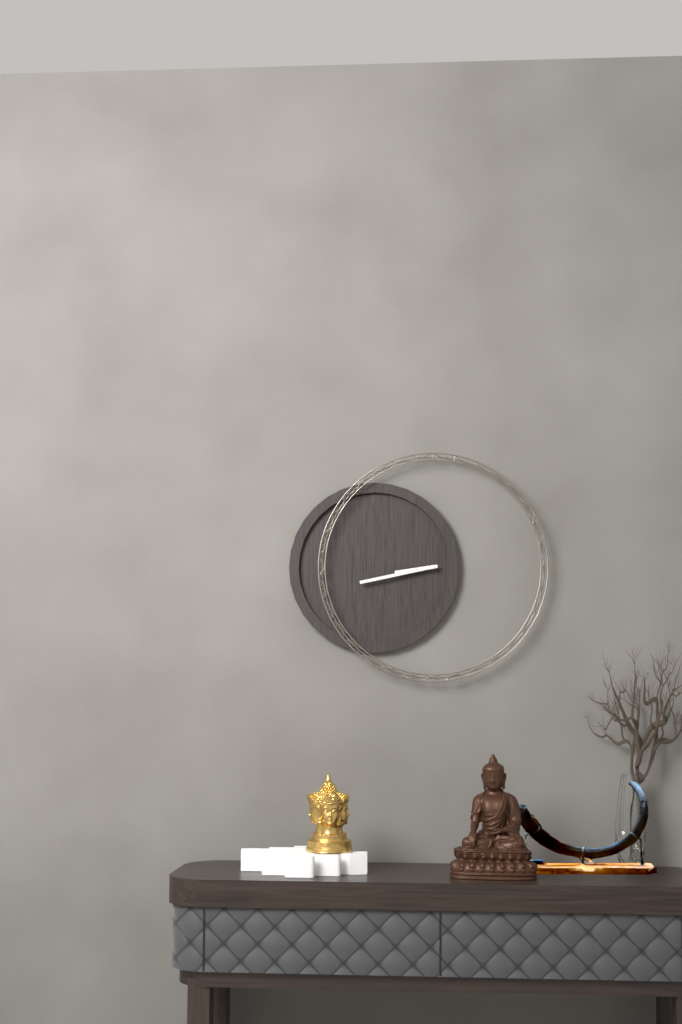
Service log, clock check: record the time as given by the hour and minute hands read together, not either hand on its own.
8:43
